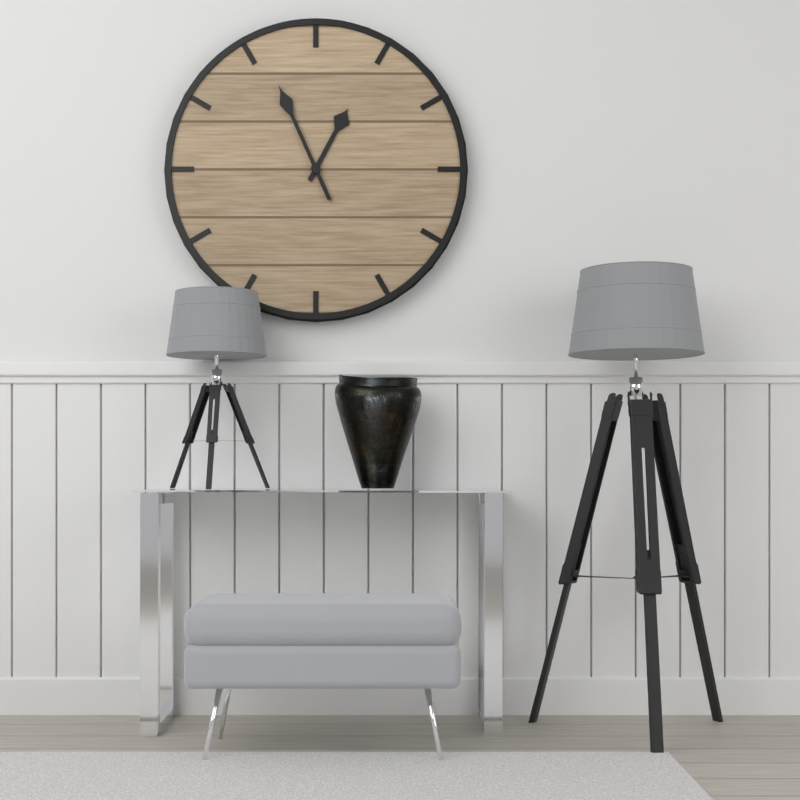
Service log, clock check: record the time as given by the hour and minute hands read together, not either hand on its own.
12:56
